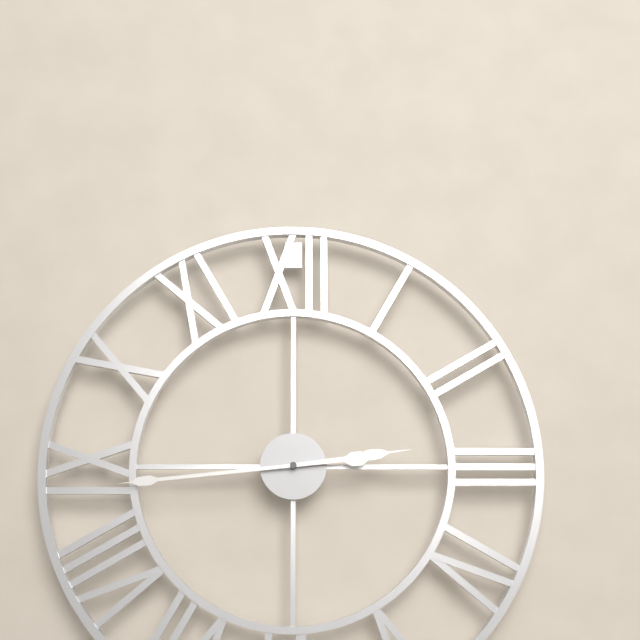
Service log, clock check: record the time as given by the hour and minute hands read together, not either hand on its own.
2:44
